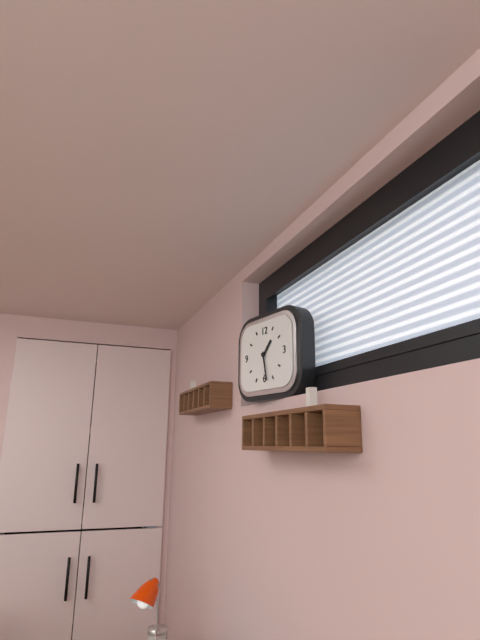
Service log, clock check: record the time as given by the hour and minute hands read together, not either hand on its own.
1:28
